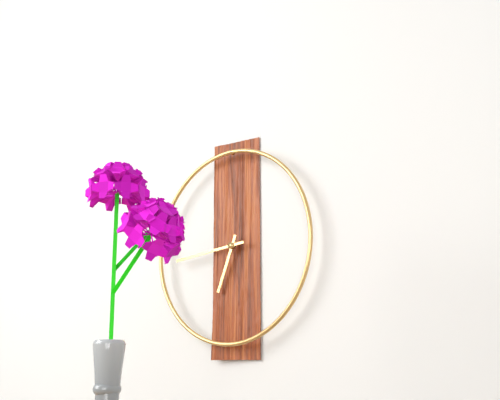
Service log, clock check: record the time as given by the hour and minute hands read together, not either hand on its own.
6:44
